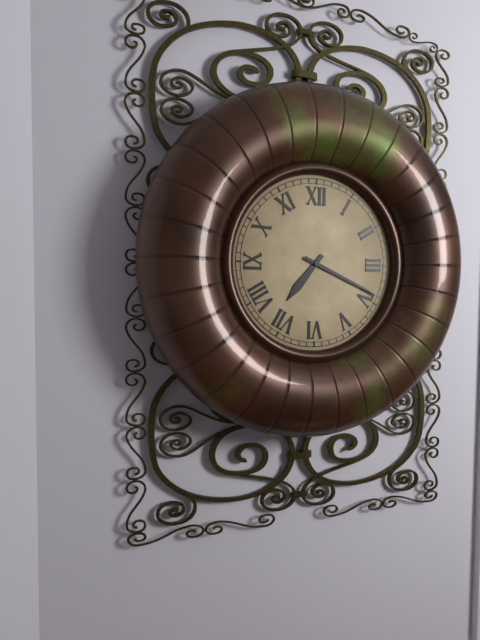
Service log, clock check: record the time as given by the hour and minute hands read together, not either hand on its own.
7:19
